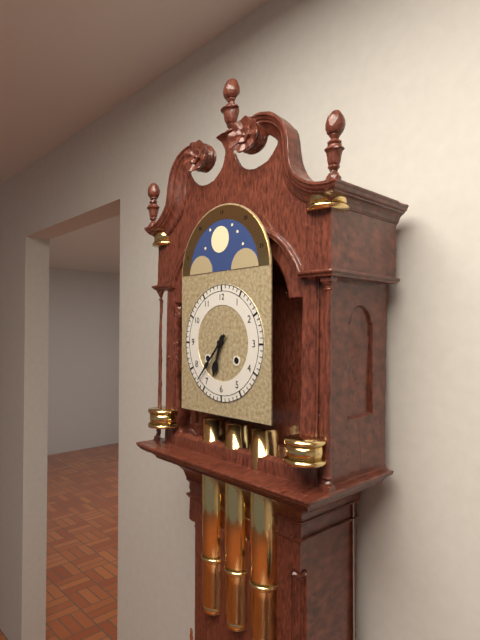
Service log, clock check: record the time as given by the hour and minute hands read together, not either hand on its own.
6:37
